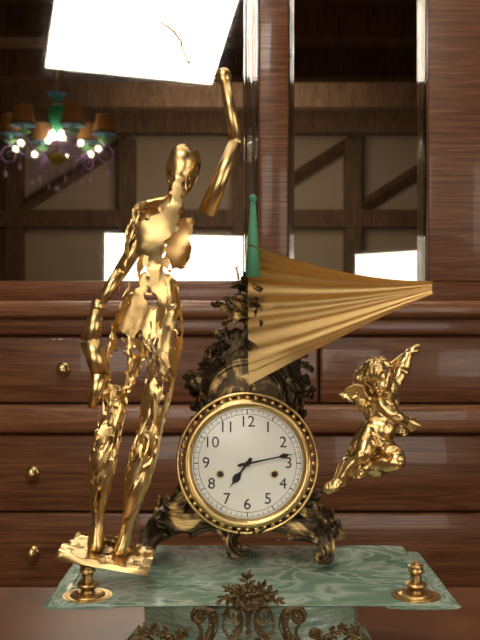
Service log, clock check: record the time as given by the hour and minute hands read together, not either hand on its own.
7:13
